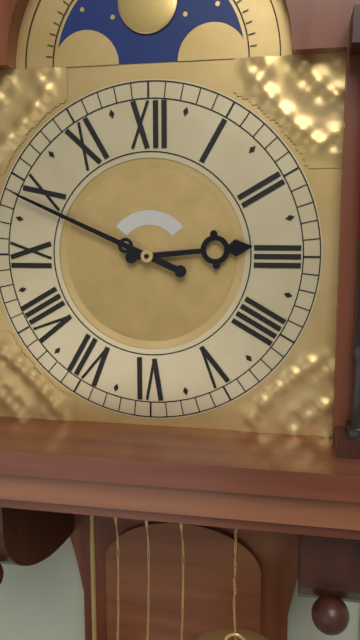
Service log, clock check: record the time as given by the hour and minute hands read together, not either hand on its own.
2:49
